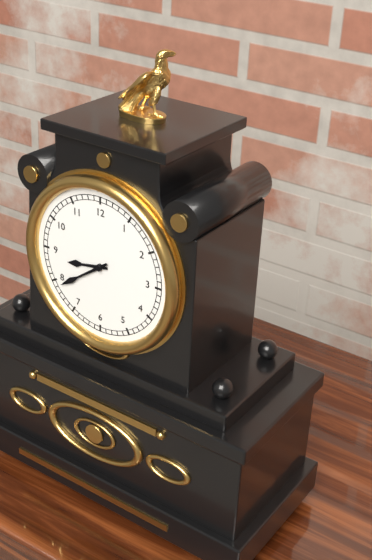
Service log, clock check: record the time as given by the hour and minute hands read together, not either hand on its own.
8:39
